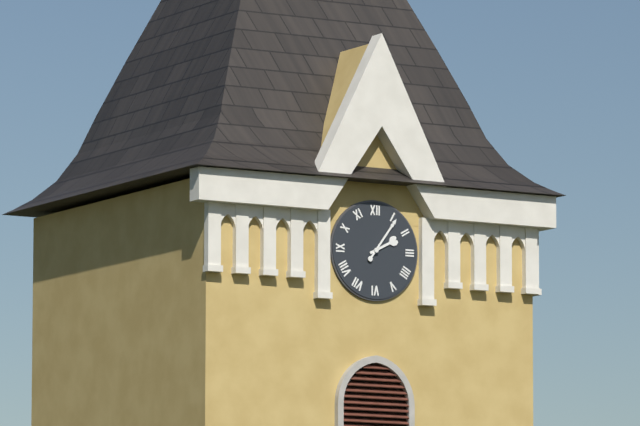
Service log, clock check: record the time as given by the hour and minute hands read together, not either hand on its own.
2:06
